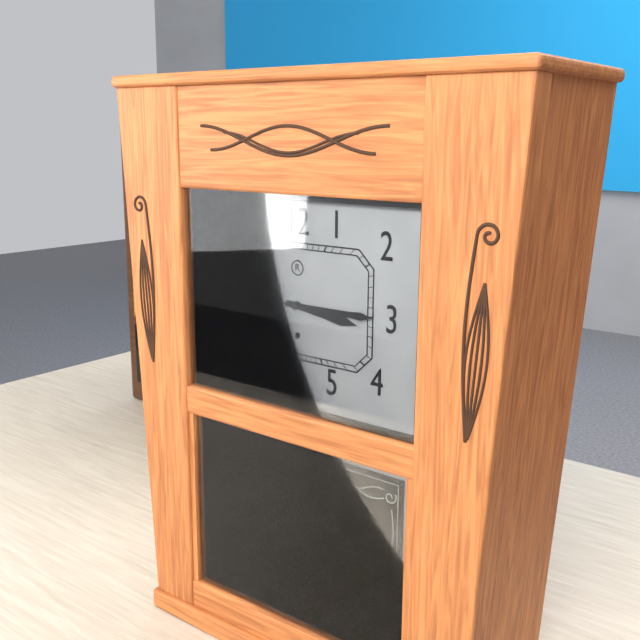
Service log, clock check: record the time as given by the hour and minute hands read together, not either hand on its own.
3:15
